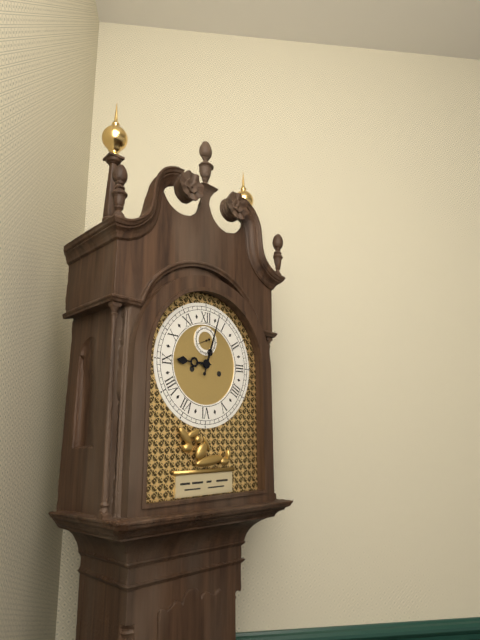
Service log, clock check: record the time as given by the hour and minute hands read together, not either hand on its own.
9:03
